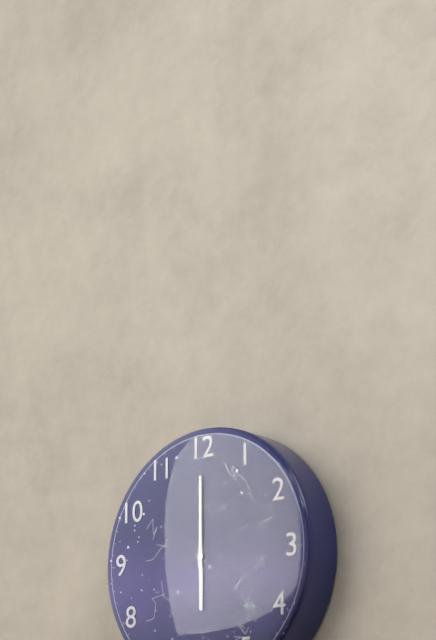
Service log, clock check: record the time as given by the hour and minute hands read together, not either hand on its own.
6:00
